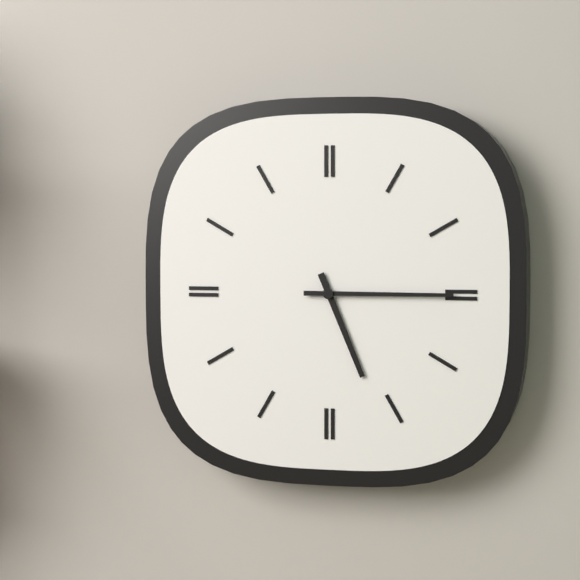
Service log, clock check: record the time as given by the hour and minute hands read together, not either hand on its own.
5:15
